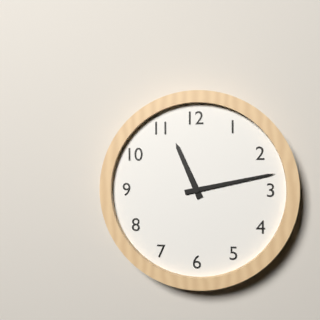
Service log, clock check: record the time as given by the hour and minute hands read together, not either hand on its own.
11:13
